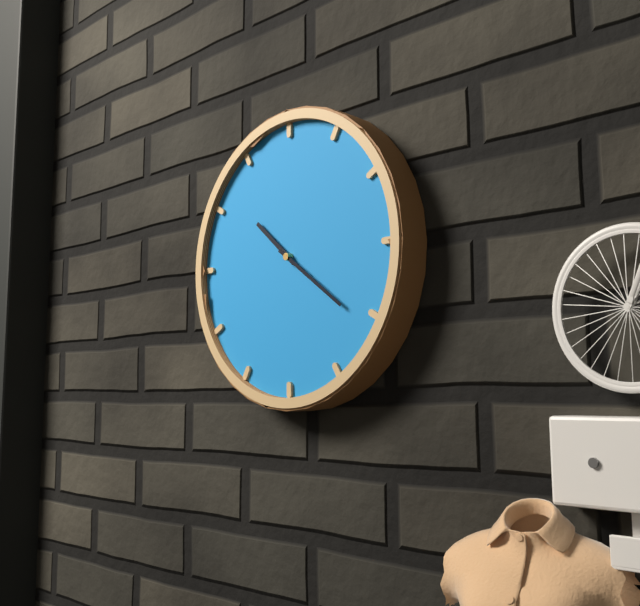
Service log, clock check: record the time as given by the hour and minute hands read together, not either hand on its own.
10:21
